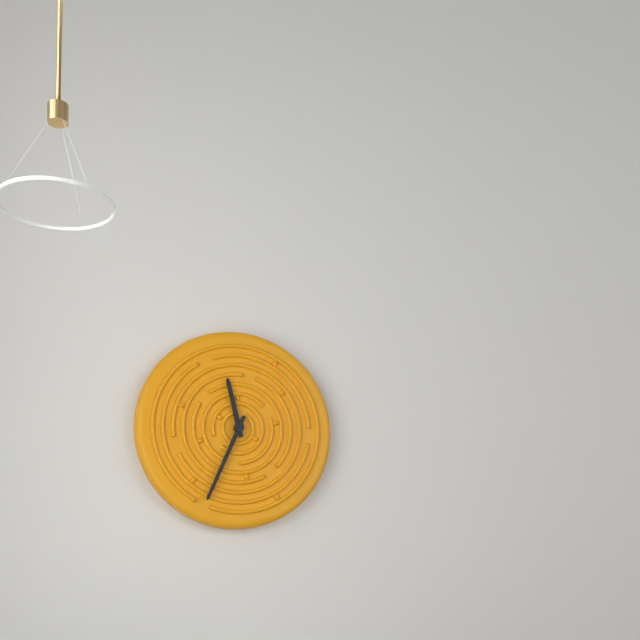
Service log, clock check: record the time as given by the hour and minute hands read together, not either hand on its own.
11:34
